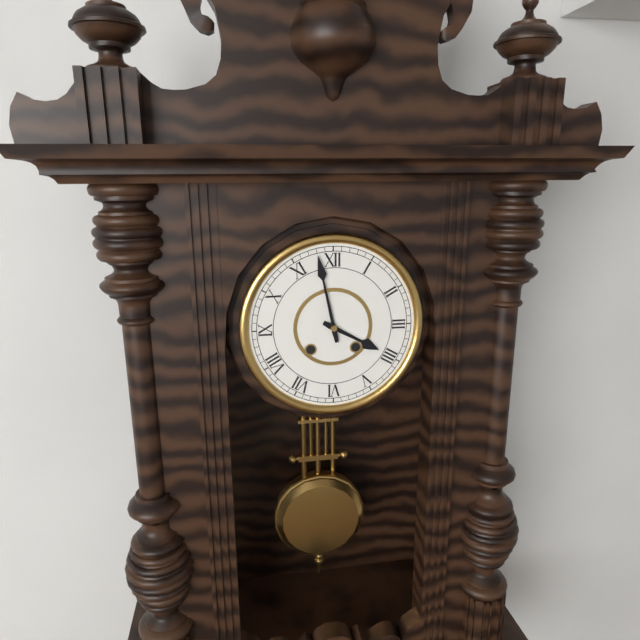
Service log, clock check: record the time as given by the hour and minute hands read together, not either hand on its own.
3:58
